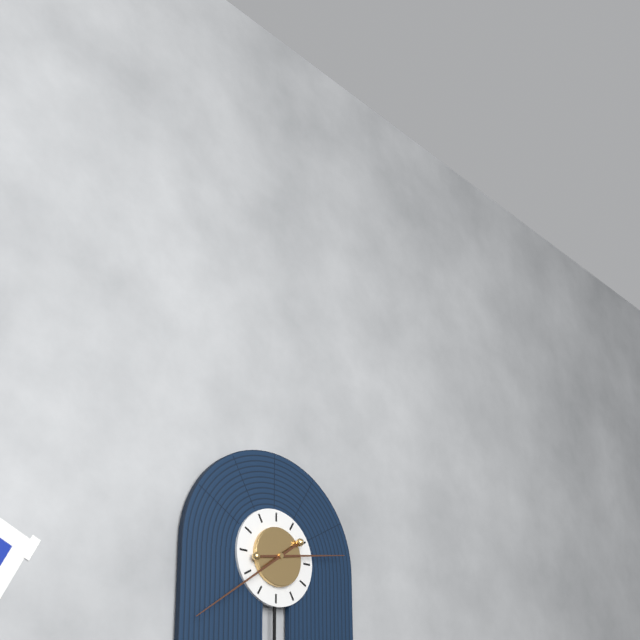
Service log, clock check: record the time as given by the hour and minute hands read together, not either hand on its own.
2:39
